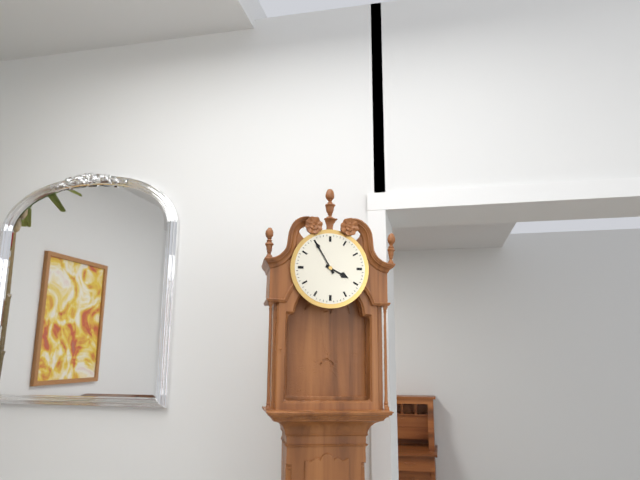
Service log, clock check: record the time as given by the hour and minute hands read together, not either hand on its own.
3:55
